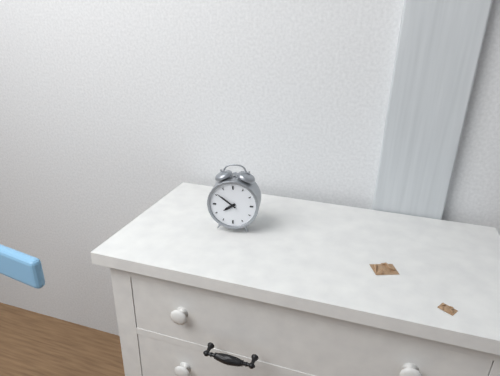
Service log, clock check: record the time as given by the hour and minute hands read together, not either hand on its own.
7:51
